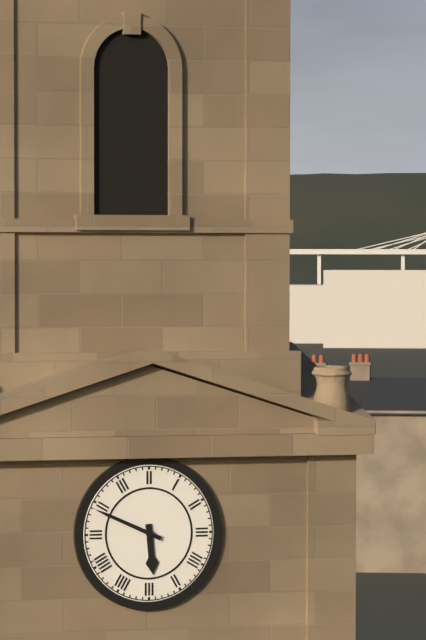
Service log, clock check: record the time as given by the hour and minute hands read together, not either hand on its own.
5:49
